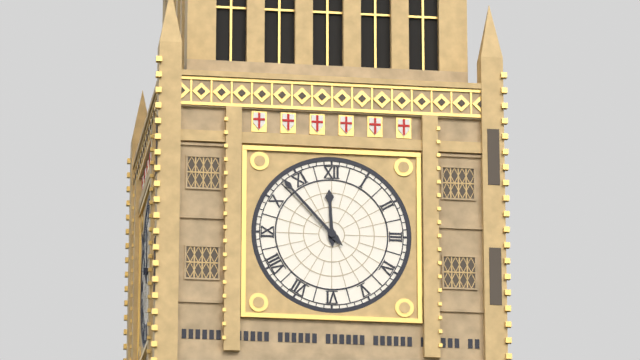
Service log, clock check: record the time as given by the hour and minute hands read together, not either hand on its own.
11:53
